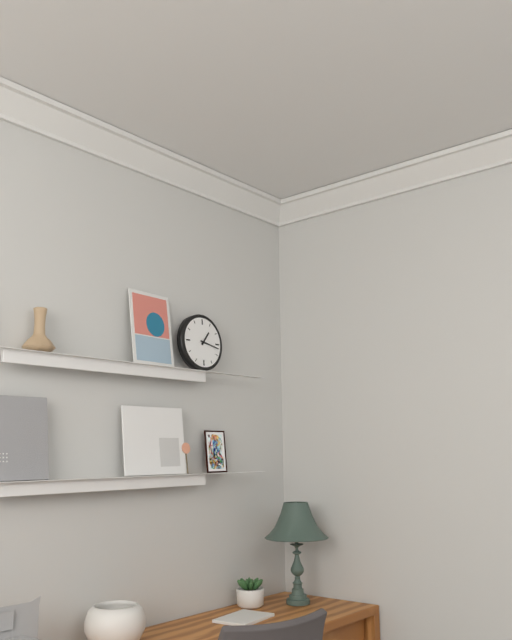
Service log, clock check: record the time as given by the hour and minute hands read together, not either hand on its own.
1:17
